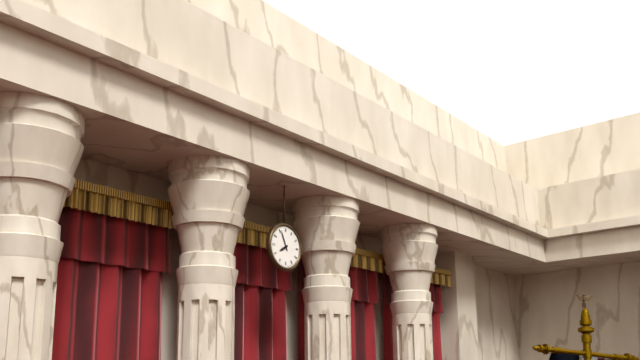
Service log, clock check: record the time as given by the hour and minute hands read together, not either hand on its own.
7:56
